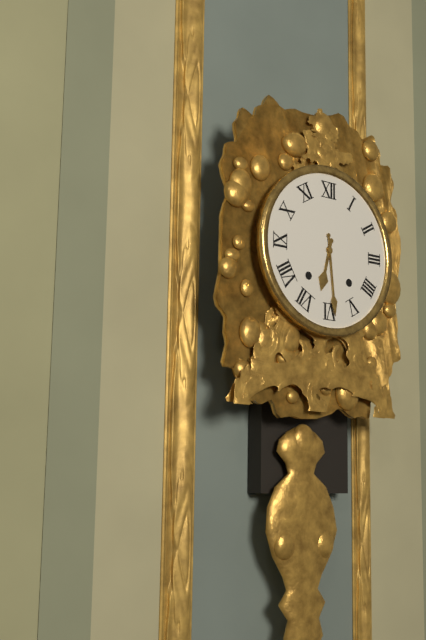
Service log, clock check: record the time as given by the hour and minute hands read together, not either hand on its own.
6:29
